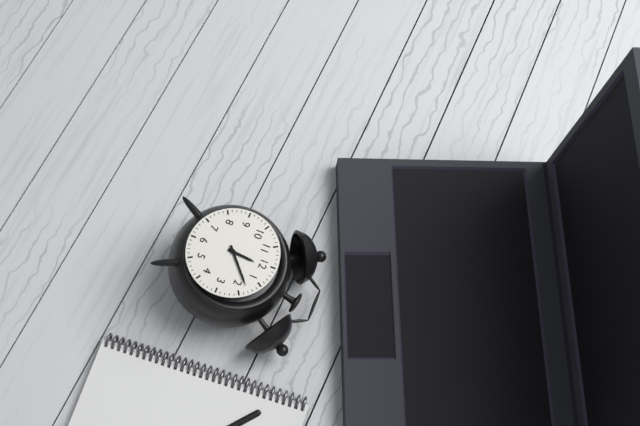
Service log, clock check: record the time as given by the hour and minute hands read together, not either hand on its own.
12:08
